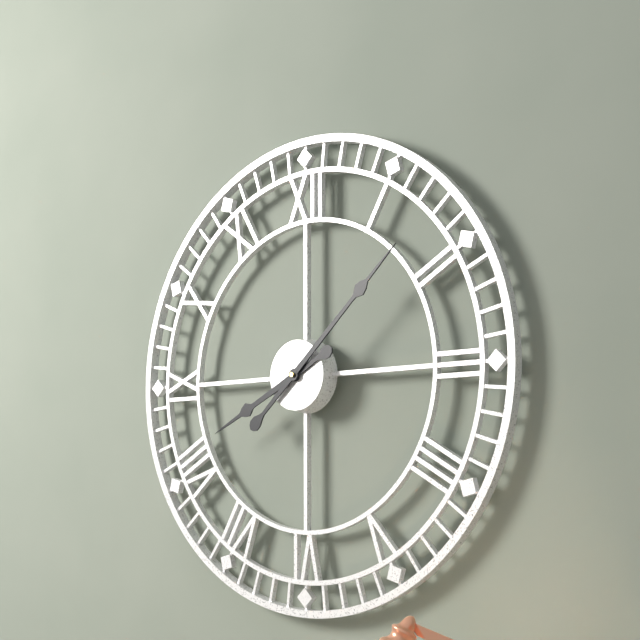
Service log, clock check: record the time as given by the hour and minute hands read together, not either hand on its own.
8:08
